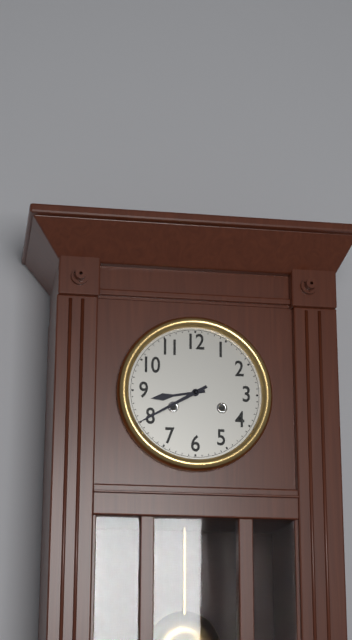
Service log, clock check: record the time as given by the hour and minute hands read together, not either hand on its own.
8:40
